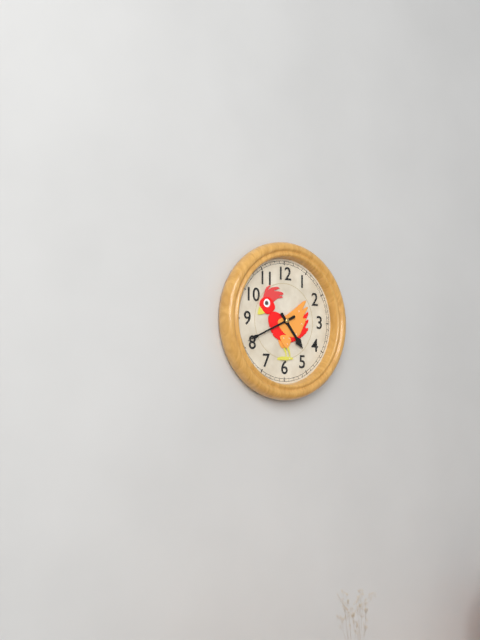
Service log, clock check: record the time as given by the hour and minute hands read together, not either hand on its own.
4:41
